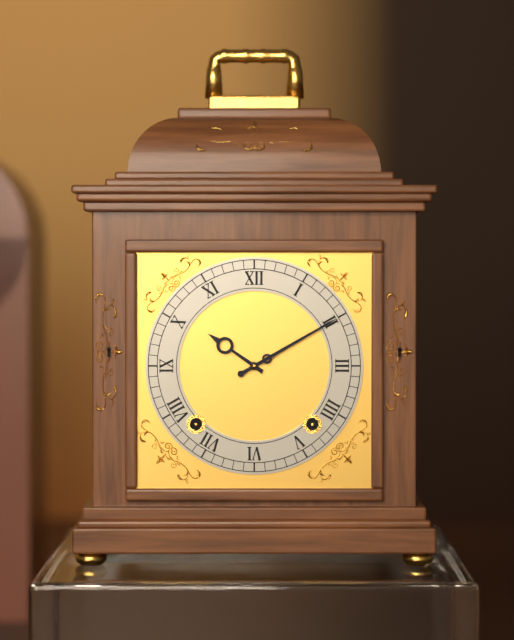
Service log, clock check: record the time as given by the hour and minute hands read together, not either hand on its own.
10:10
